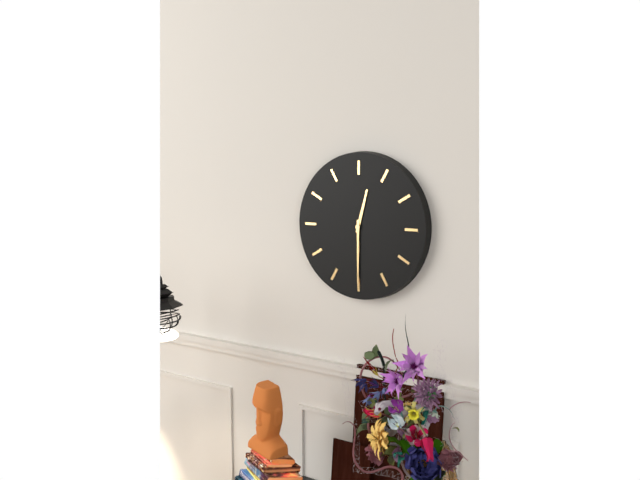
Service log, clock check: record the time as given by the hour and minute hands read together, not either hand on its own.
12:30
